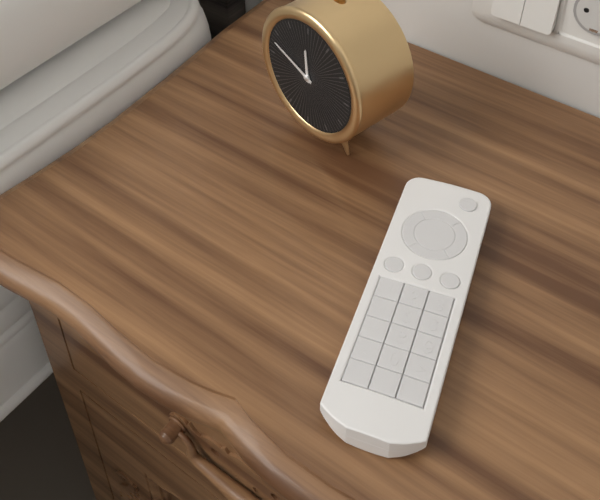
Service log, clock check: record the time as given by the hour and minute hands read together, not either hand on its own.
11:48
